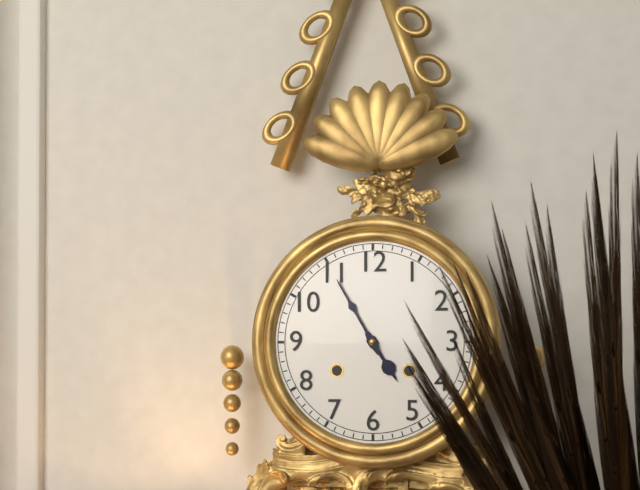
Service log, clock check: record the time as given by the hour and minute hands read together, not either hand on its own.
4:55
